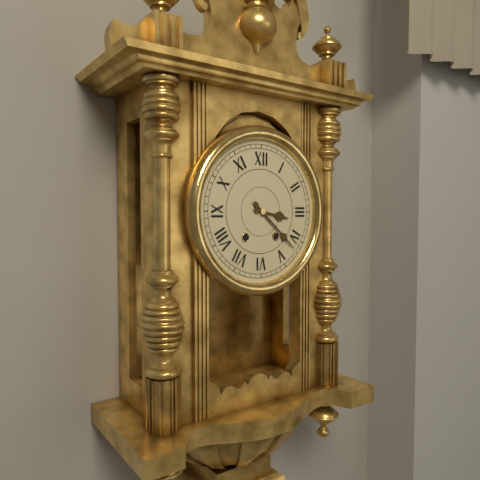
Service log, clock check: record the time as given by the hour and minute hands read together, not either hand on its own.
3:22
